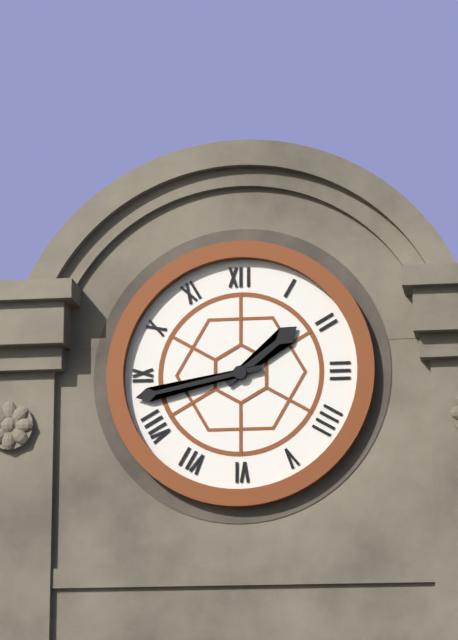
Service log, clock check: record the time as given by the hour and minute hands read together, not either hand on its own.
1:43
